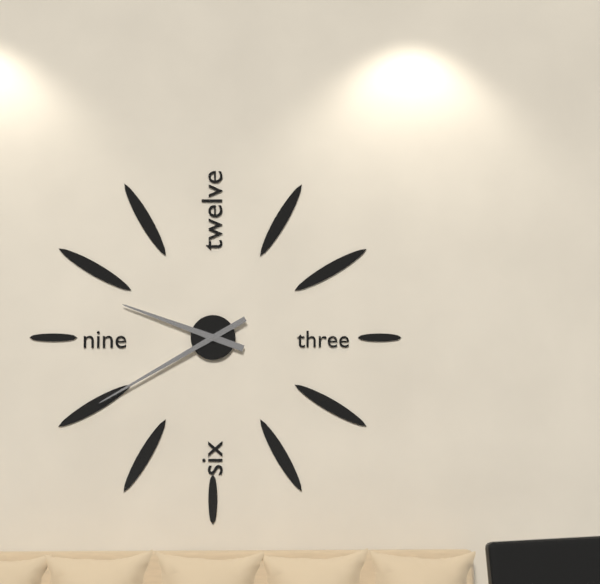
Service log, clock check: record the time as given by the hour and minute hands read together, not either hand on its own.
9:40
